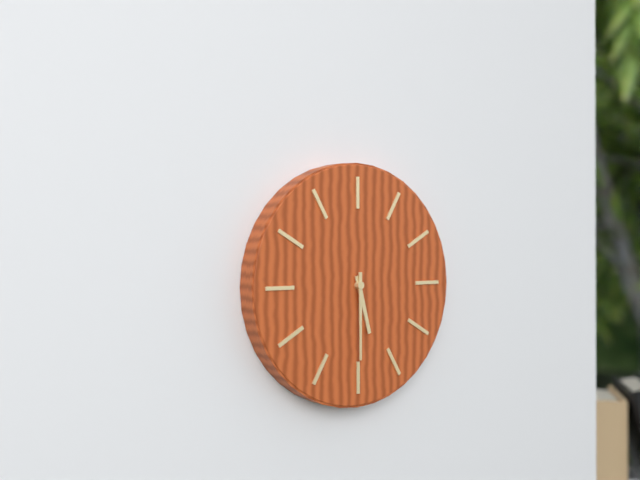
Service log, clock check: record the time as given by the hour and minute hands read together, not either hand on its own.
5:30
